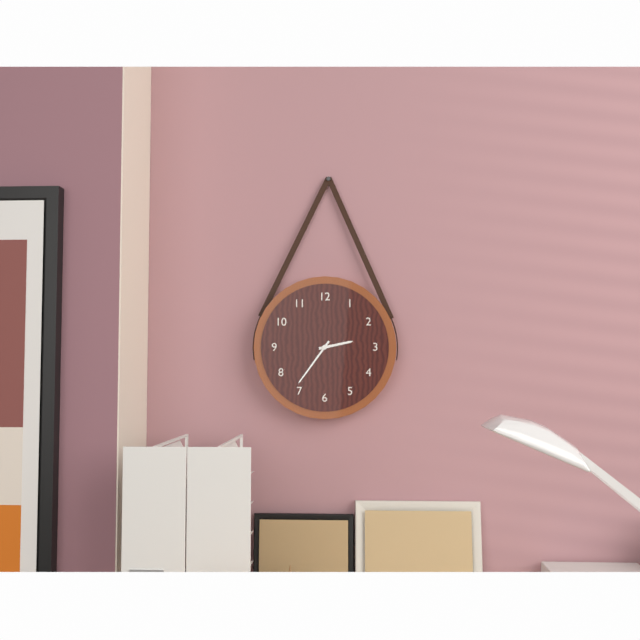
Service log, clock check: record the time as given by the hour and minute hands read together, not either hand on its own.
2:36
